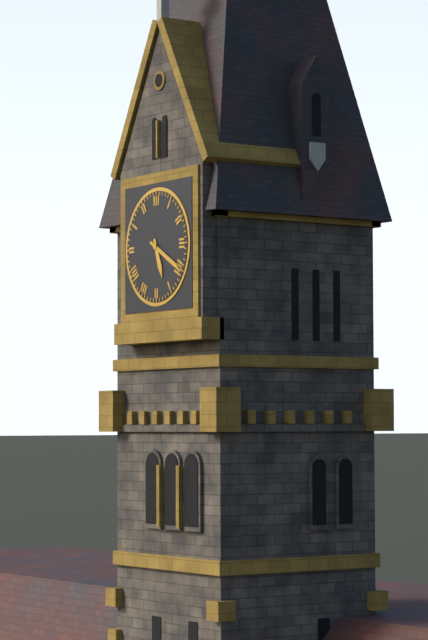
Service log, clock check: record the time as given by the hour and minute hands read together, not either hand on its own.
5:20
